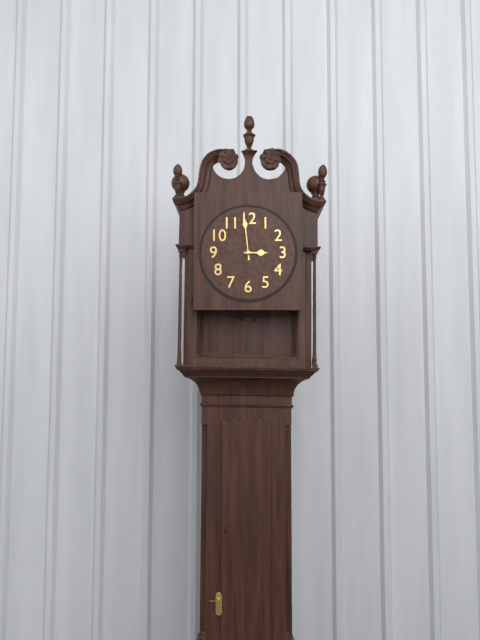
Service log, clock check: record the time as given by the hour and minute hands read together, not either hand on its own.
2:59
